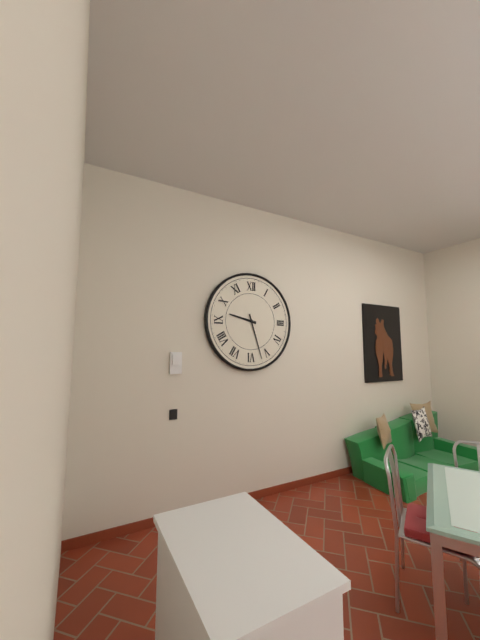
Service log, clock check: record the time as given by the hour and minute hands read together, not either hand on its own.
9:27
